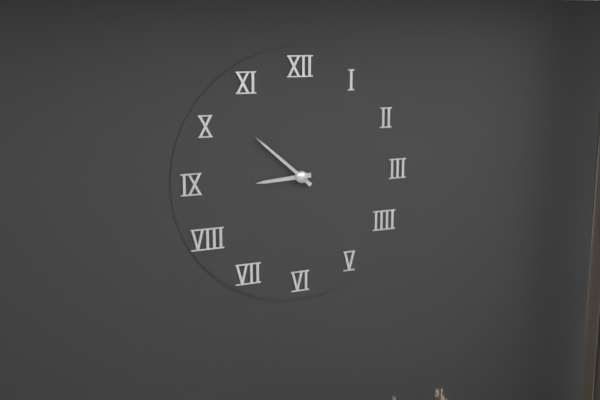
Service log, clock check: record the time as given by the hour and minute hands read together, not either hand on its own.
8:52
